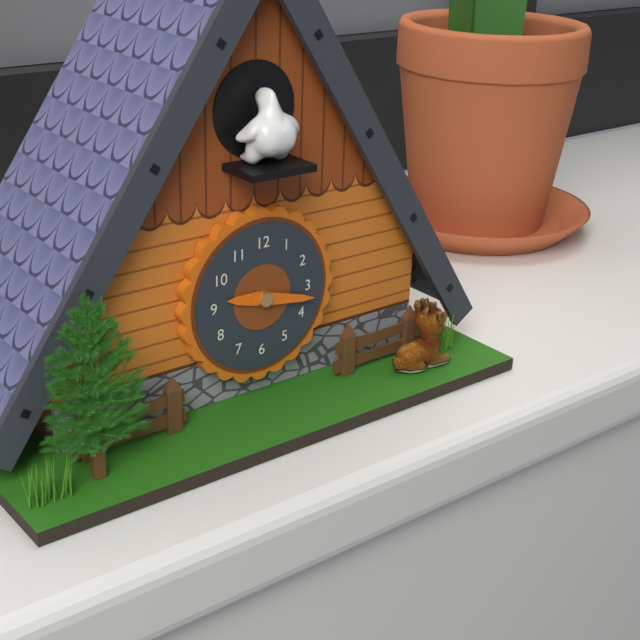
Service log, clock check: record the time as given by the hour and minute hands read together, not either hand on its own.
9:17
